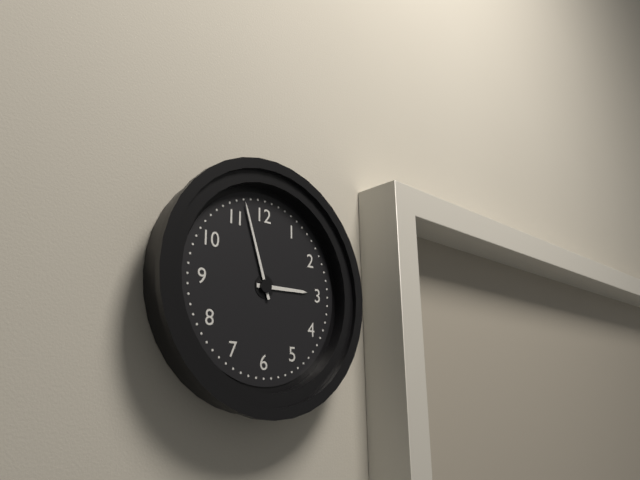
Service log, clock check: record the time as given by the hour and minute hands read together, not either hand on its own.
2:57
